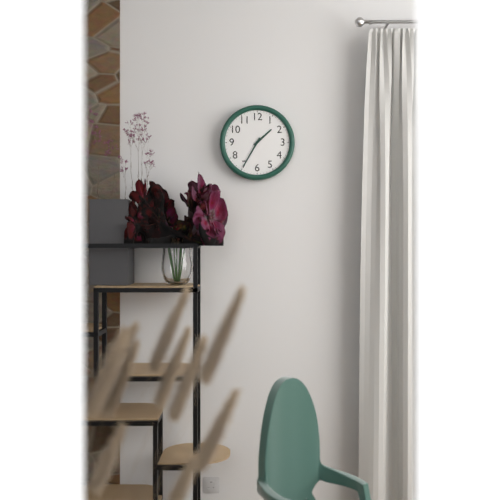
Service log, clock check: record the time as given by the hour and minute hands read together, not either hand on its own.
1:35
